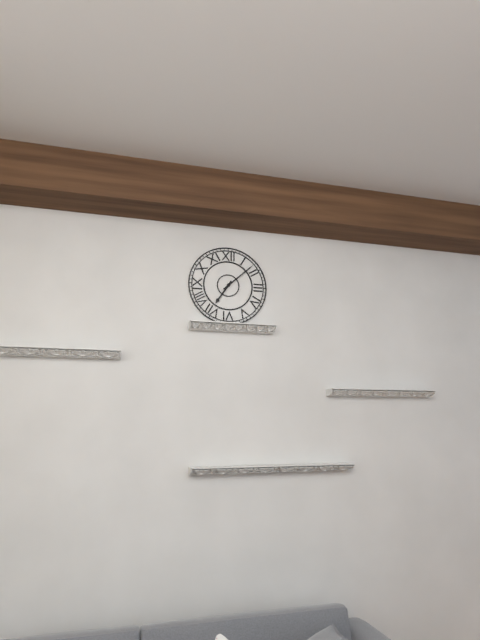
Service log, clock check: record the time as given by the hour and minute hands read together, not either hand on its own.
7:08
